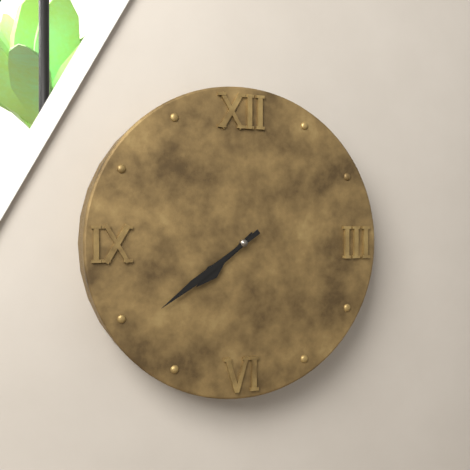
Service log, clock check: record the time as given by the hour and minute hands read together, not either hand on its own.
7:39
